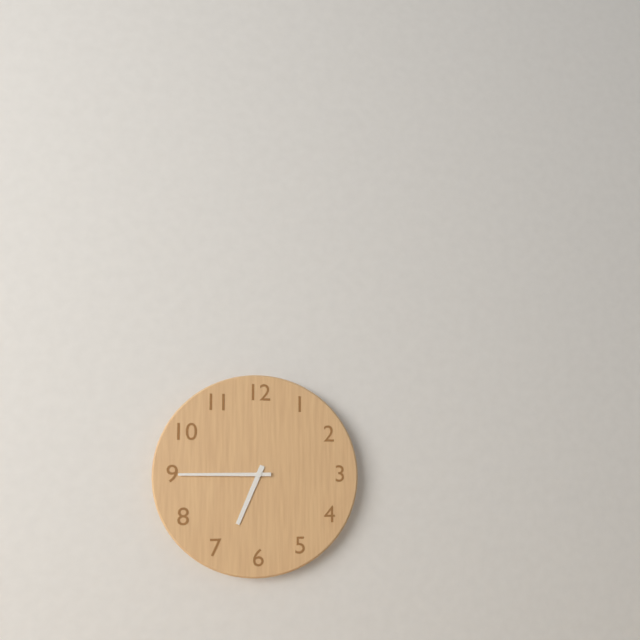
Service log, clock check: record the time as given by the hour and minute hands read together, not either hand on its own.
6:45
